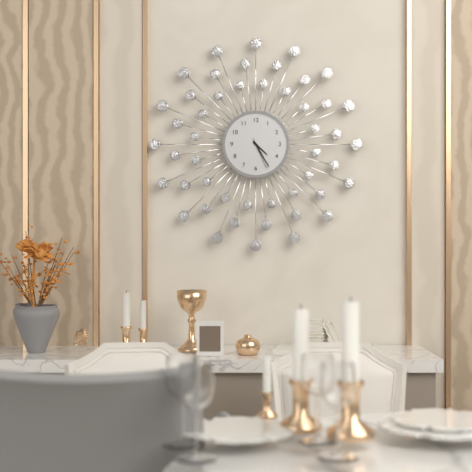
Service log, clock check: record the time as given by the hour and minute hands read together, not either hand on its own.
4:25
